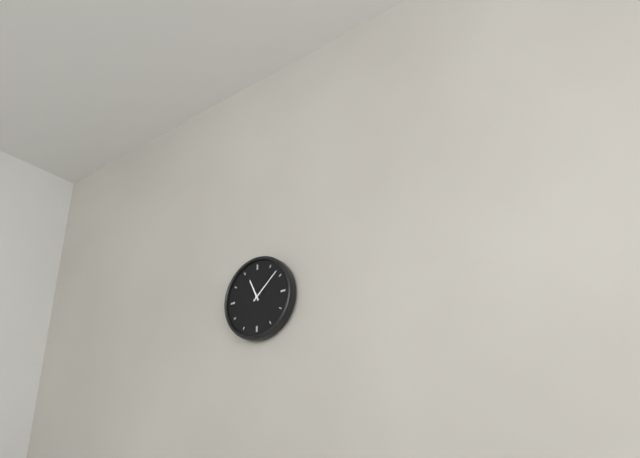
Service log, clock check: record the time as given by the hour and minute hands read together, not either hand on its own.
11:08
